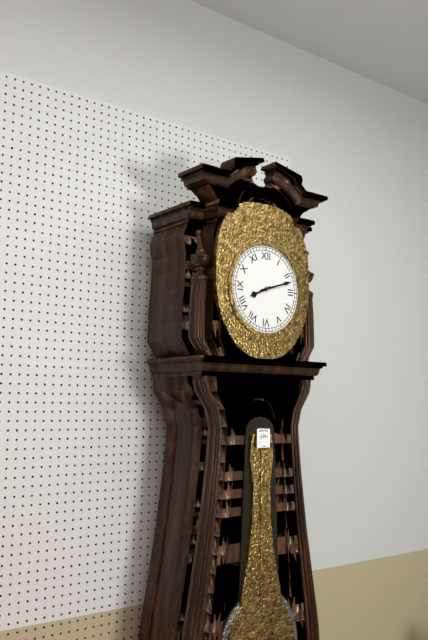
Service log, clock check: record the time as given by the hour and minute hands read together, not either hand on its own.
8:12
